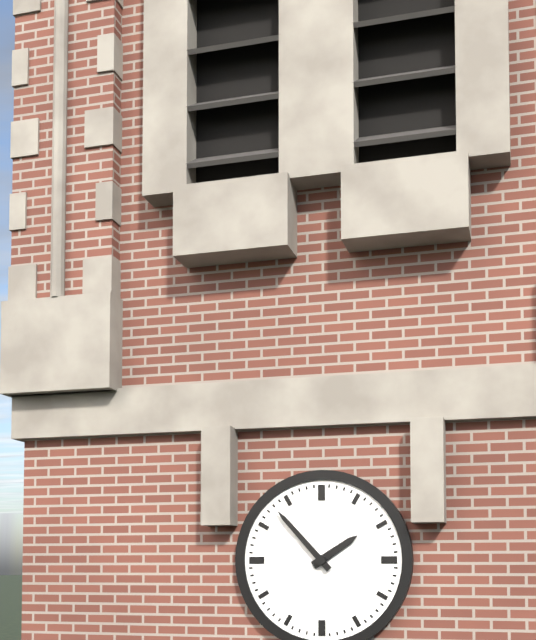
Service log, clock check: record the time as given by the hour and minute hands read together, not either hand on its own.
1:53
